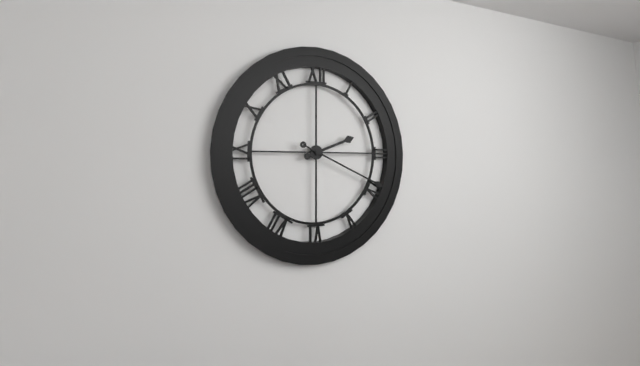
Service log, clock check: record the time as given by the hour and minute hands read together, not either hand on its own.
2:19
